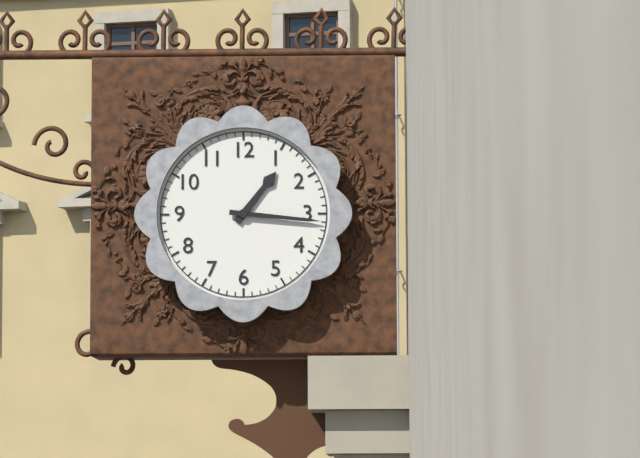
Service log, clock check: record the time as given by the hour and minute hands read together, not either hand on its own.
1:16
